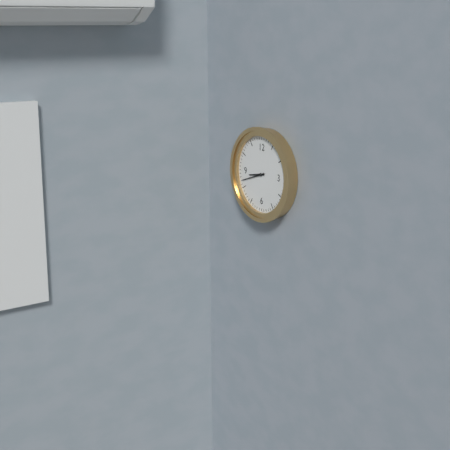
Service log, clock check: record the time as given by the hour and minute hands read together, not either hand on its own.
8:42
